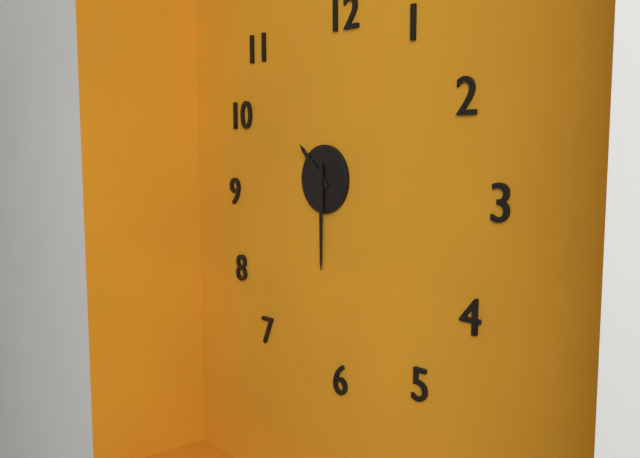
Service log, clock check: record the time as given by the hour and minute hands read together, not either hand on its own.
10:30
